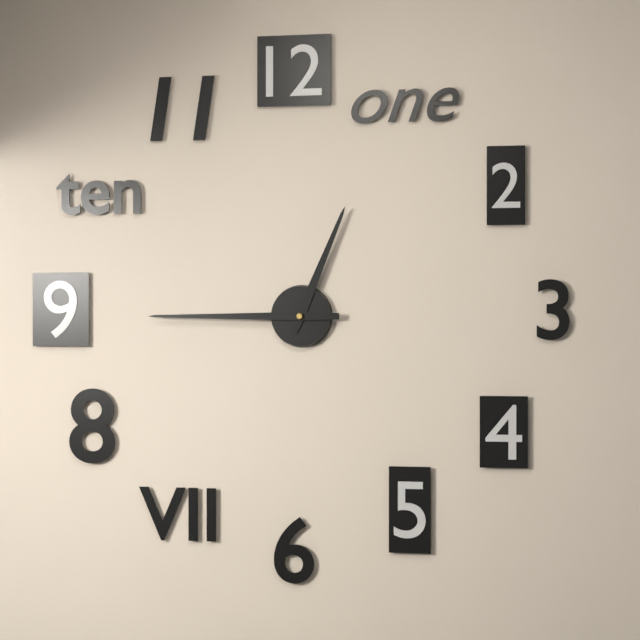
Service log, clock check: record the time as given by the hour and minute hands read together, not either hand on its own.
12:45
